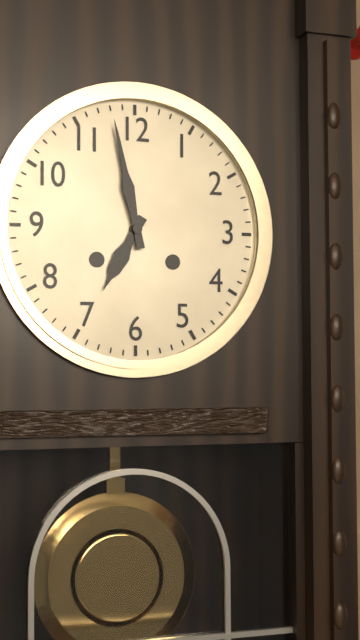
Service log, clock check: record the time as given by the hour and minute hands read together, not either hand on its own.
6:58
